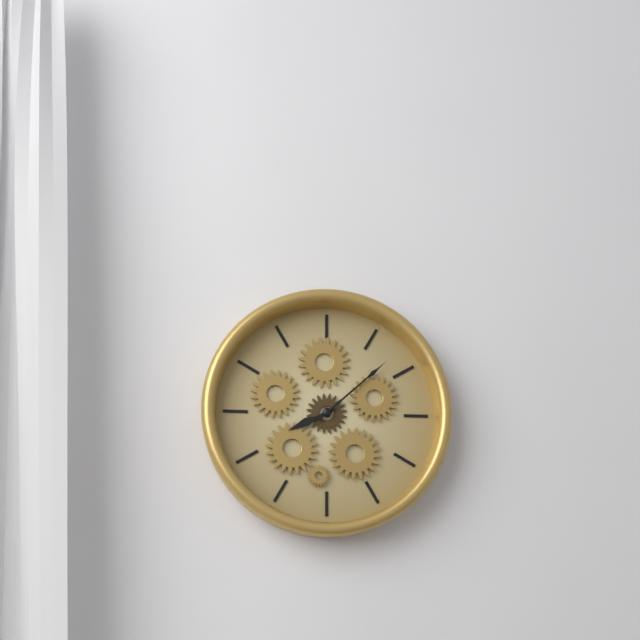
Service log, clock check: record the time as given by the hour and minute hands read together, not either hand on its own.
8:08
